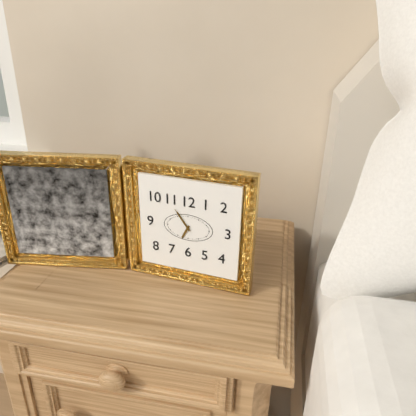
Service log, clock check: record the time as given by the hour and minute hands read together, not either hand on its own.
6:54
